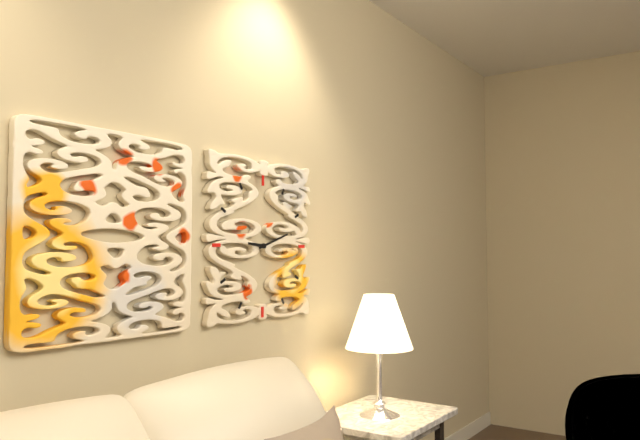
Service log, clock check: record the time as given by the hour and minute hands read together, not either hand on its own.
9:12
